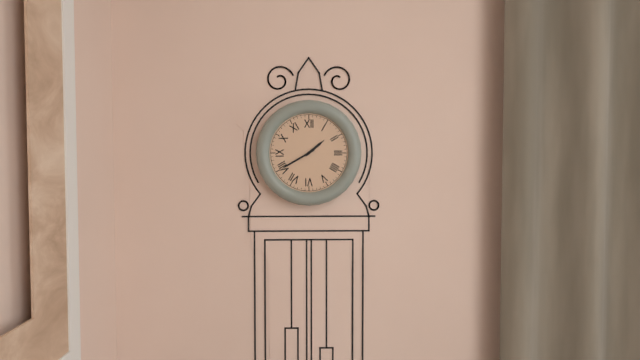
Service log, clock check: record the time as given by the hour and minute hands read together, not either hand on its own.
1:40
